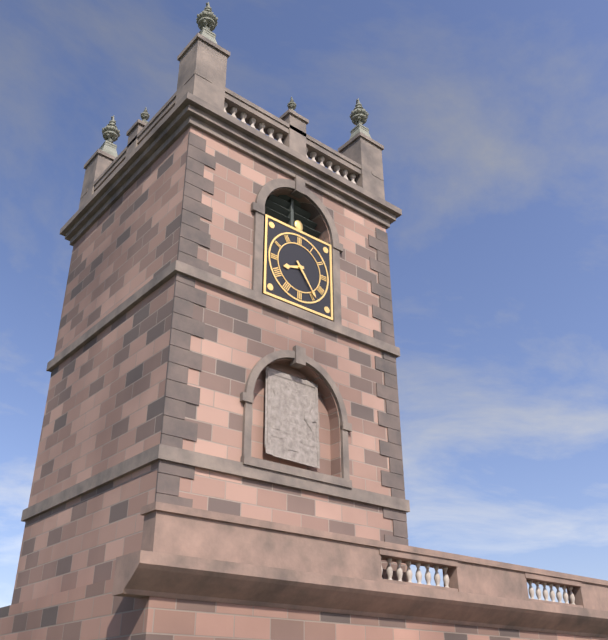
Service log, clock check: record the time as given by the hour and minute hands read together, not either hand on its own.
8:24
